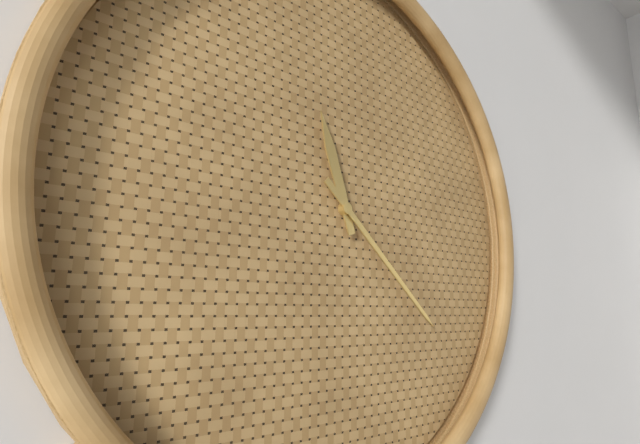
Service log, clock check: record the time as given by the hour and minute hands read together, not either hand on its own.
11:22
